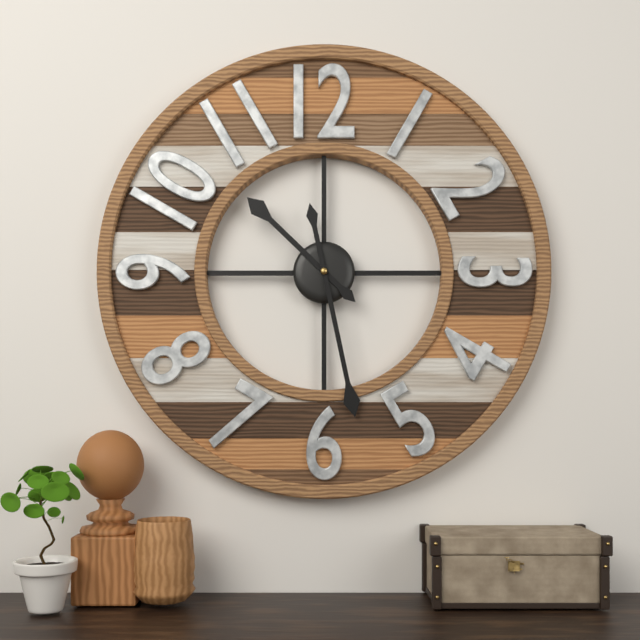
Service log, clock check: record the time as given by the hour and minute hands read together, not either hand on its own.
10:28
